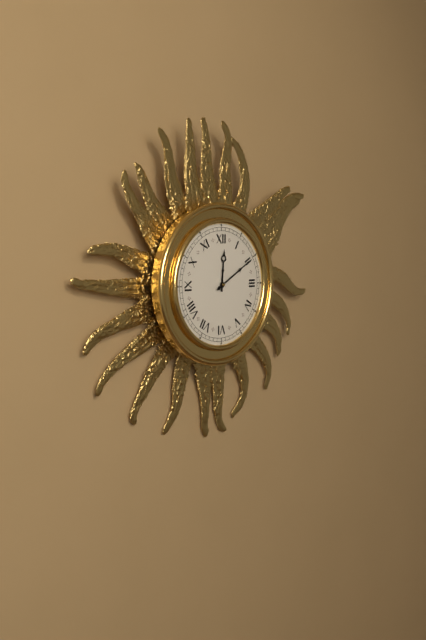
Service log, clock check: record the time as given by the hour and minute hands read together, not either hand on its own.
12:10
